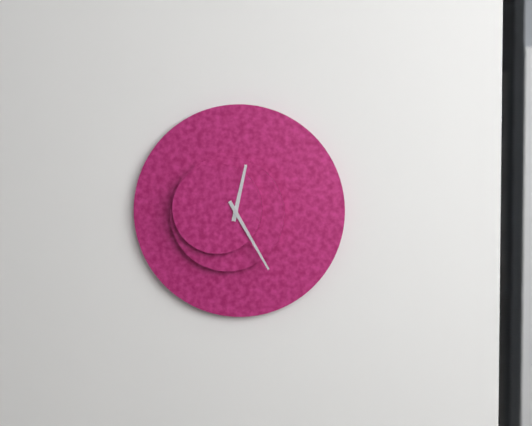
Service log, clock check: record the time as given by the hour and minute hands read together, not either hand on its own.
12:25
